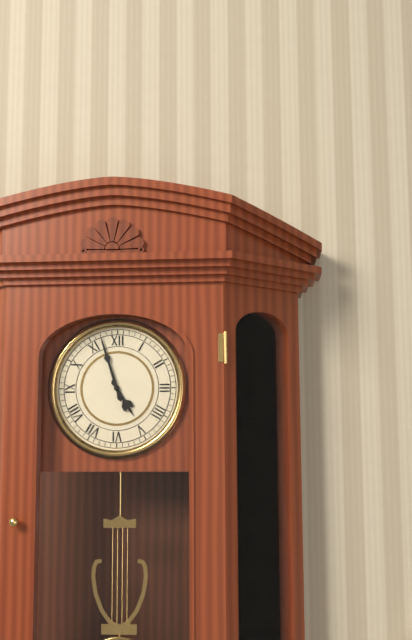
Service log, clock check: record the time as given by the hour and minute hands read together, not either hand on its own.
4:57
